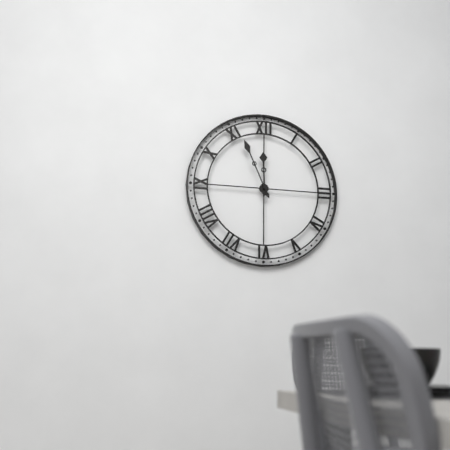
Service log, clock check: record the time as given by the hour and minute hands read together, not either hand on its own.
11:56
